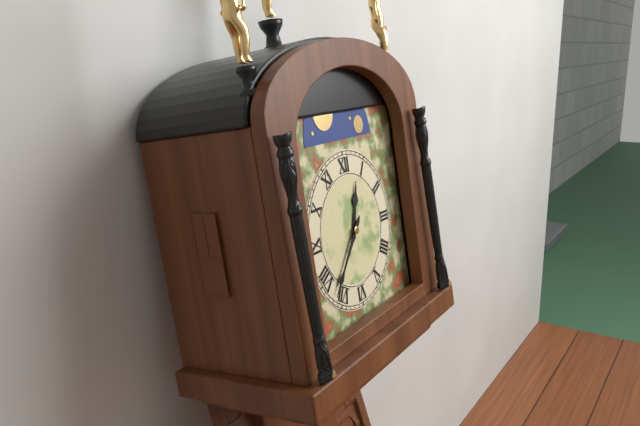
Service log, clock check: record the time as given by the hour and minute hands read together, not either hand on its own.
12:37
